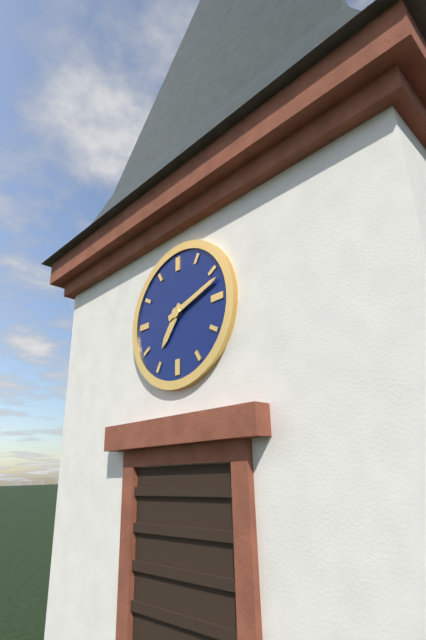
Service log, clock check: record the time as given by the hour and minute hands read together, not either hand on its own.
7:12
